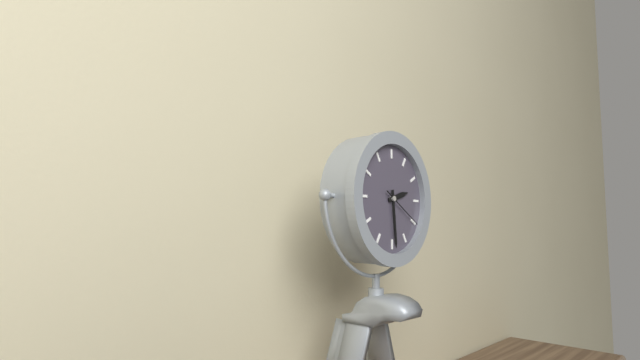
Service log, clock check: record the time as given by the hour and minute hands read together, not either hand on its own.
2:29
